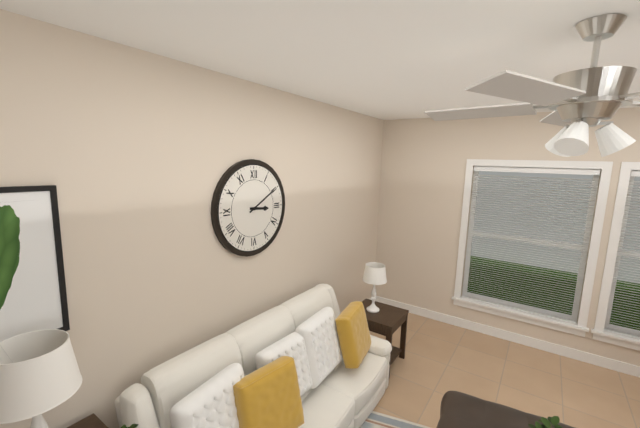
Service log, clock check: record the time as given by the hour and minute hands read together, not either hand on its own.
3:10
